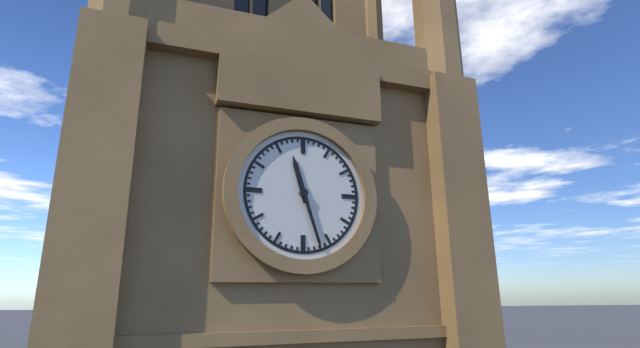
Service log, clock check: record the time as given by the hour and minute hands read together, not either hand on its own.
11:27
